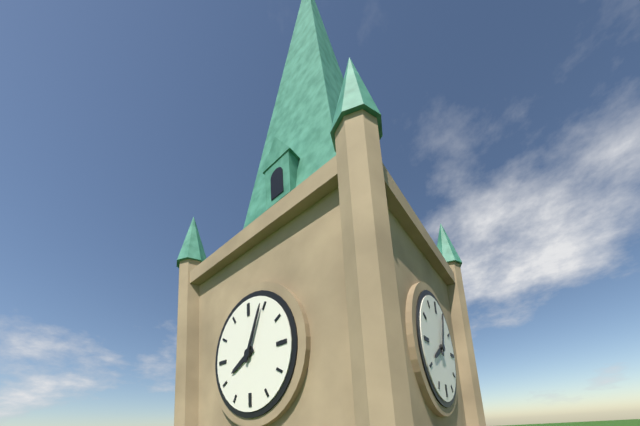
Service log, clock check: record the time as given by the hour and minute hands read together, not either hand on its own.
8:04
